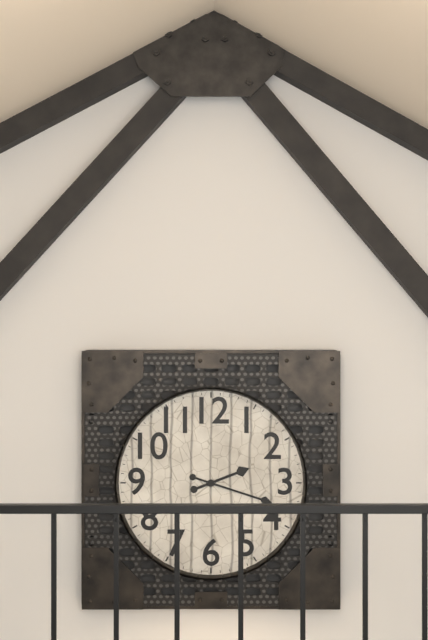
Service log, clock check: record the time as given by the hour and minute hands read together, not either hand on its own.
2:18
